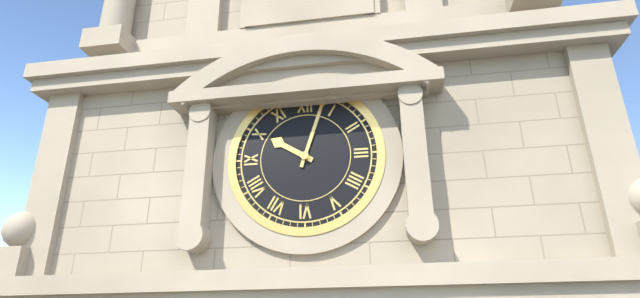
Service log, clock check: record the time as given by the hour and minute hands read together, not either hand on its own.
10:03
